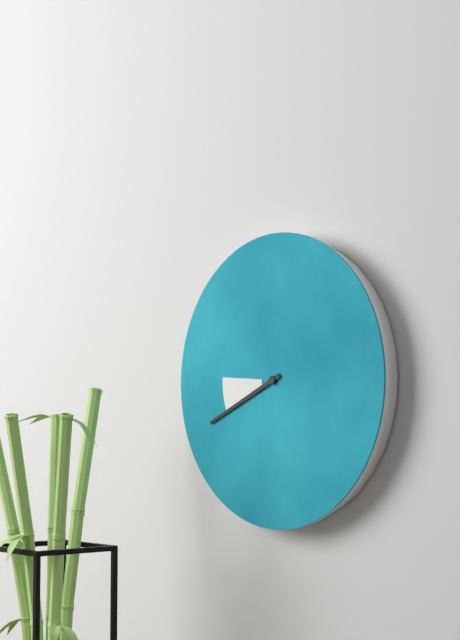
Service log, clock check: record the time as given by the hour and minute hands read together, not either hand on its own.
8:41
